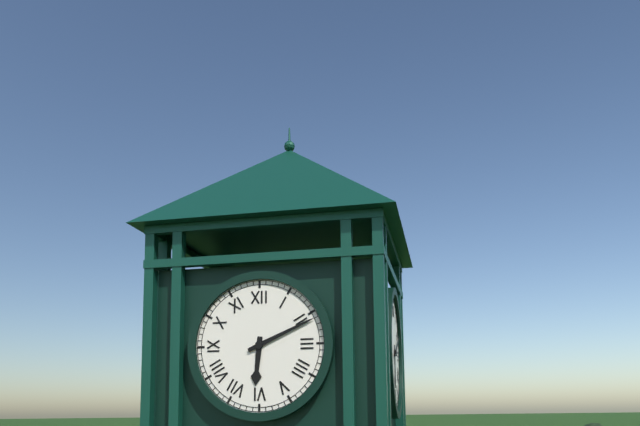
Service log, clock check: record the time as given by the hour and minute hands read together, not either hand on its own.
6:11
